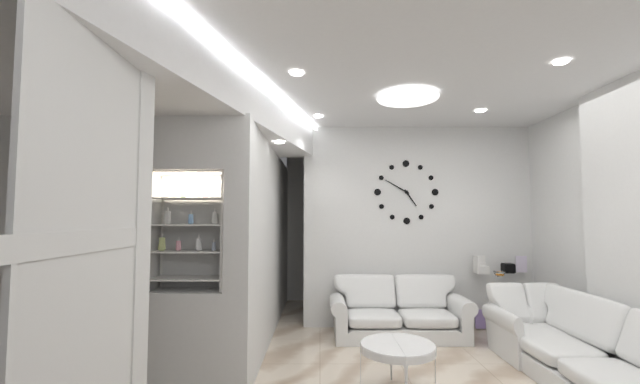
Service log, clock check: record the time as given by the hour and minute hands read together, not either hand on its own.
4:50
